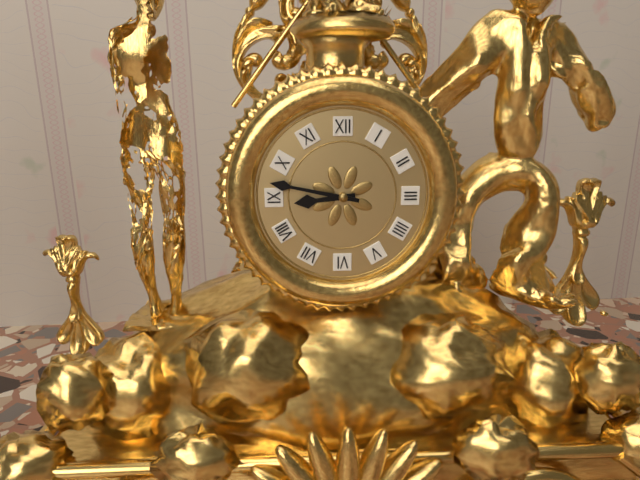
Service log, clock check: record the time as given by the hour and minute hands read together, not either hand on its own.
8:47
